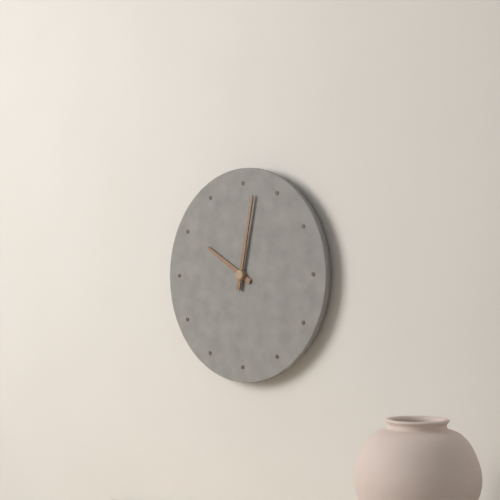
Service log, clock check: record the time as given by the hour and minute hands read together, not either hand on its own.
10:02
